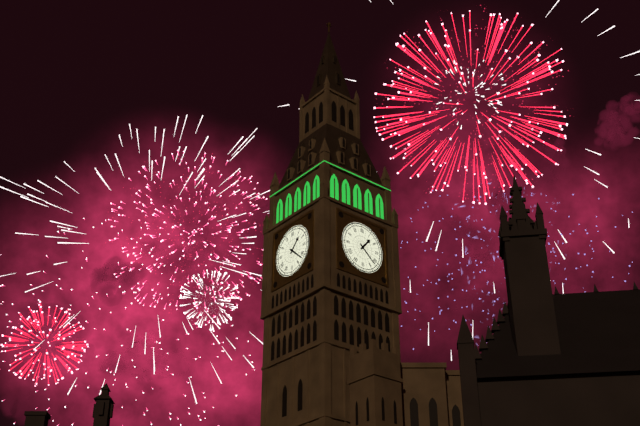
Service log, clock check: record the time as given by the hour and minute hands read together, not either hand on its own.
1:22
